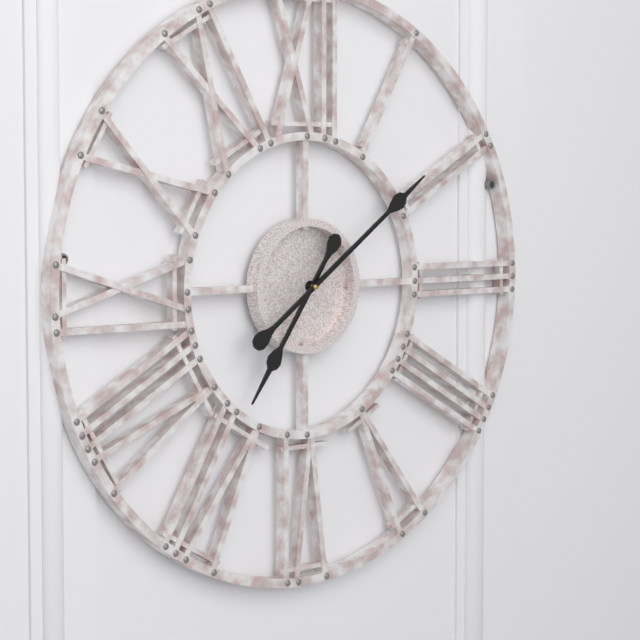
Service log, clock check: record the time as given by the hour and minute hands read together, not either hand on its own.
7:09
